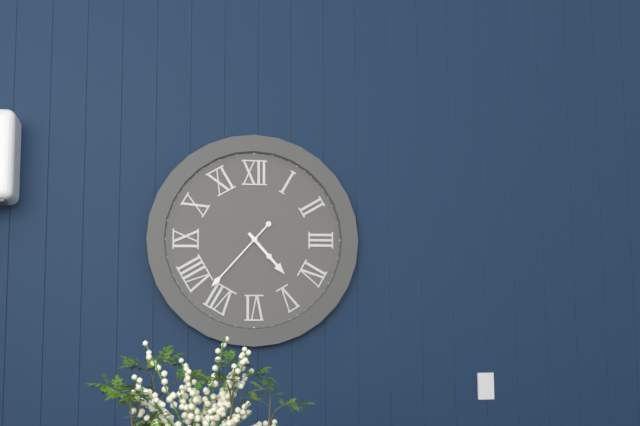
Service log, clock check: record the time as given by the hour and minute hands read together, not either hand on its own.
4:37
